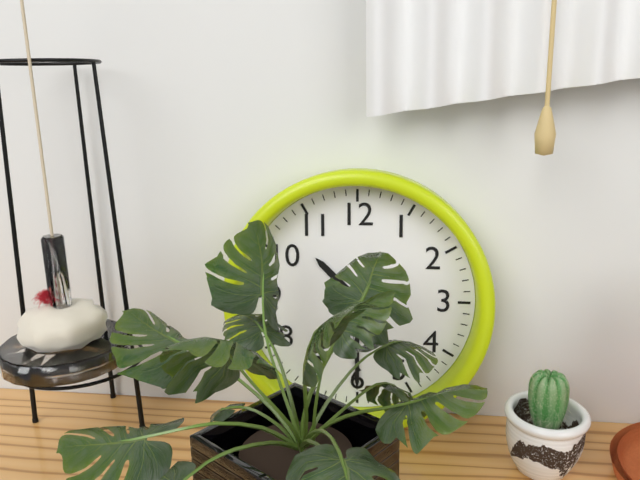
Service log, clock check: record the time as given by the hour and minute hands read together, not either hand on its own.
10:30
